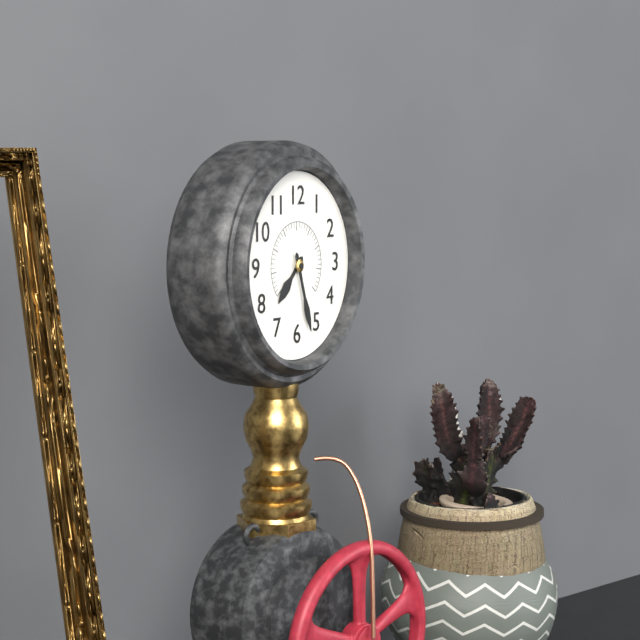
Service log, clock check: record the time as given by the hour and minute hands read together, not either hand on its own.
7:27
